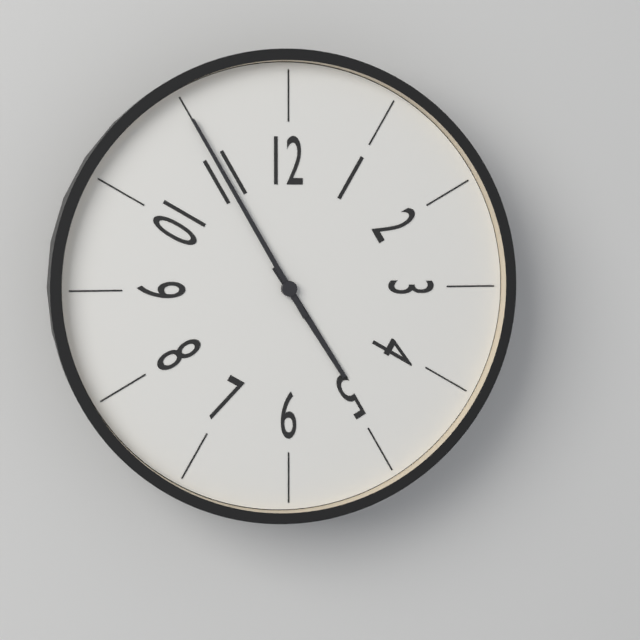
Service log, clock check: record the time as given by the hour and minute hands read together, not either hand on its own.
4:55
